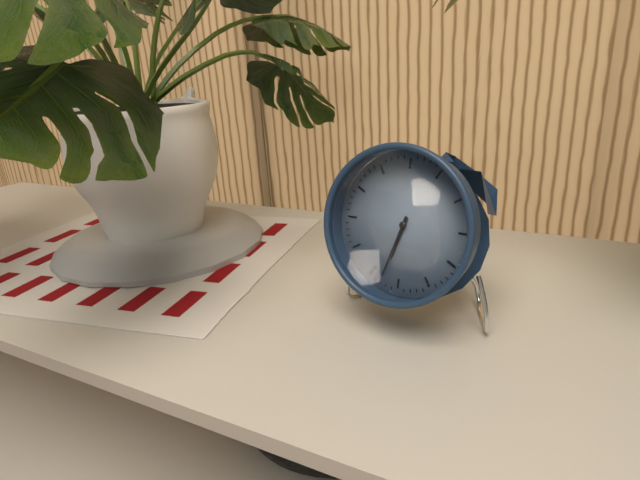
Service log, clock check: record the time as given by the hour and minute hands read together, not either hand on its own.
6:33
